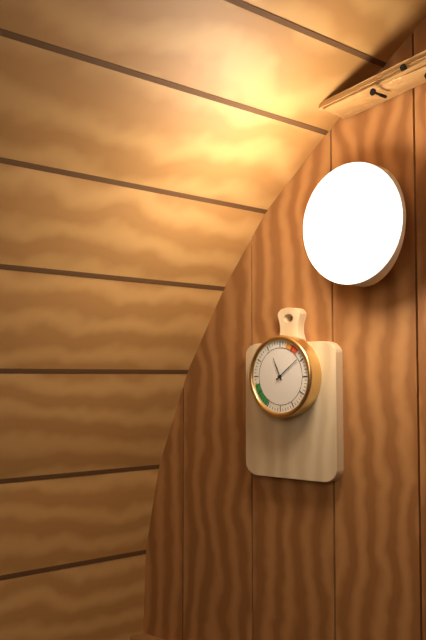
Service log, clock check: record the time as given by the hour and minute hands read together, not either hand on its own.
11:09
